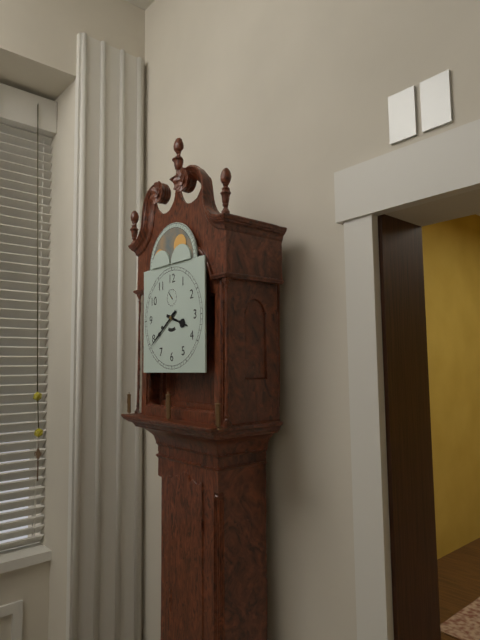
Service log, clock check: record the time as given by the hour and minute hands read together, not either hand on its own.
3:39
